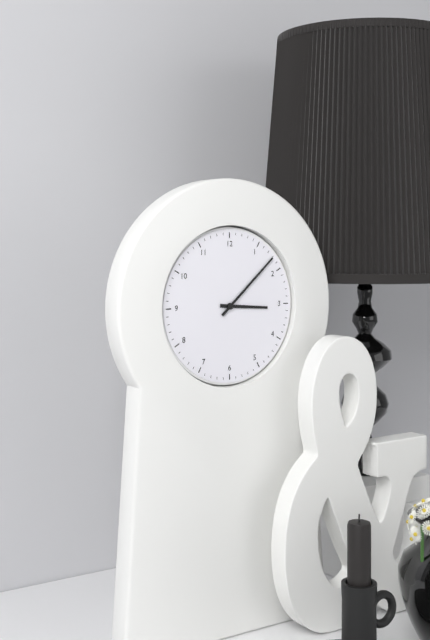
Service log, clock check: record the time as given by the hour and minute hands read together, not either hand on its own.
3:08
